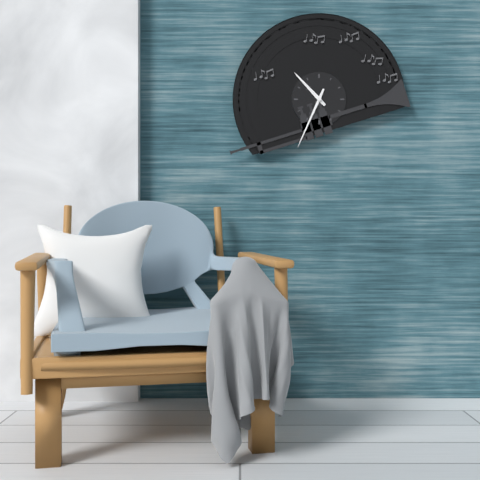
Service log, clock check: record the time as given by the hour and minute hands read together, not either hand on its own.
10:34
